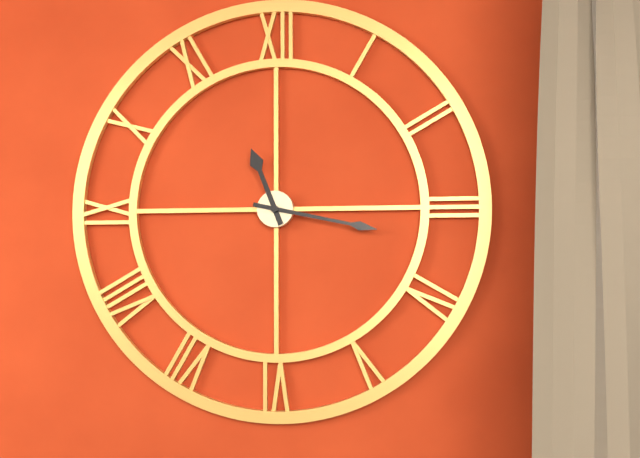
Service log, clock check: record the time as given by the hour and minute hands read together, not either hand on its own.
11:17
